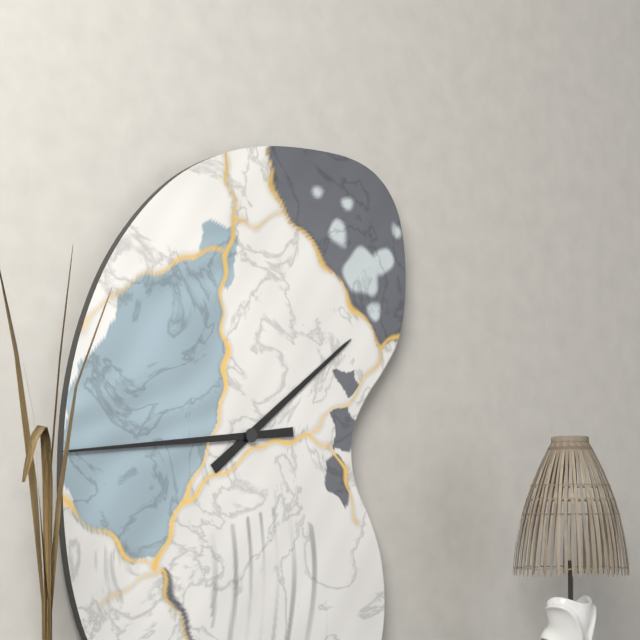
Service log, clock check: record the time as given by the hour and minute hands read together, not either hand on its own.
1:44
